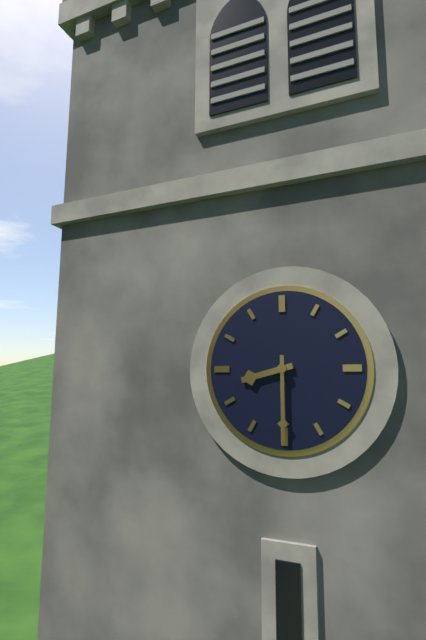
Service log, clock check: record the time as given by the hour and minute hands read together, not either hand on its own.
8:30
